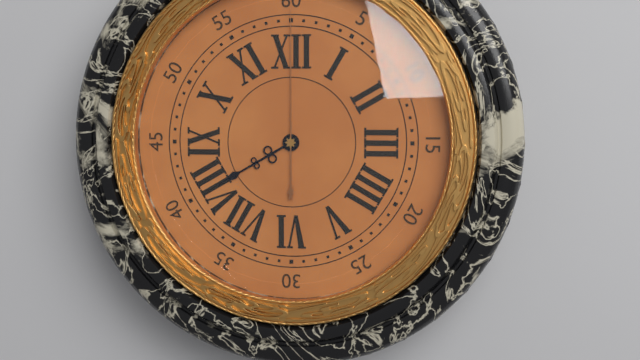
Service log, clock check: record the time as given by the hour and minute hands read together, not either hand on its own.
8:00
